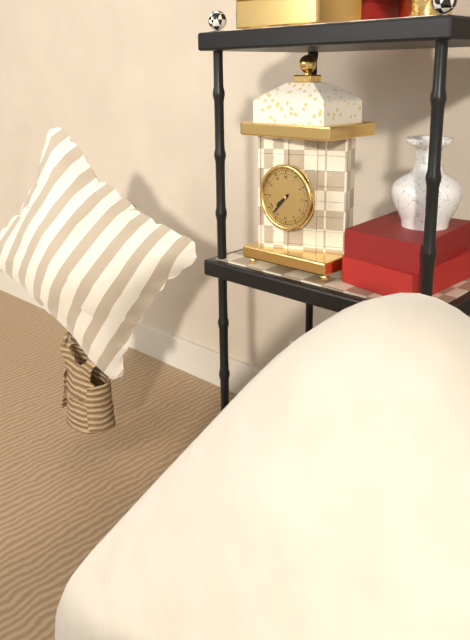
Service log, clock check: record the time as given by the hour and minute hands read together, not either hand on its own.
7:37
